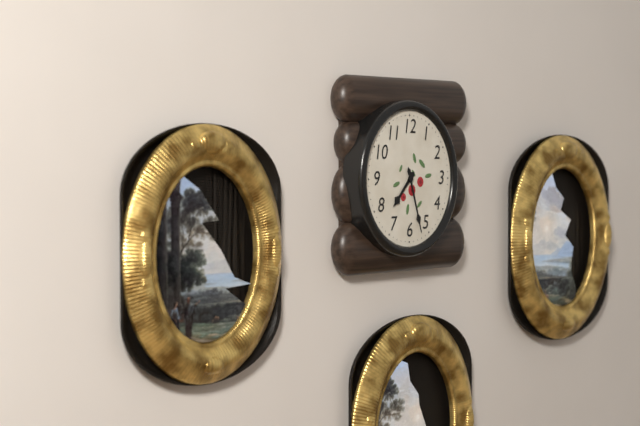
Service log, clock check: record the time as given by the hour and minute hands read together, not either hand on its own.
7:27
